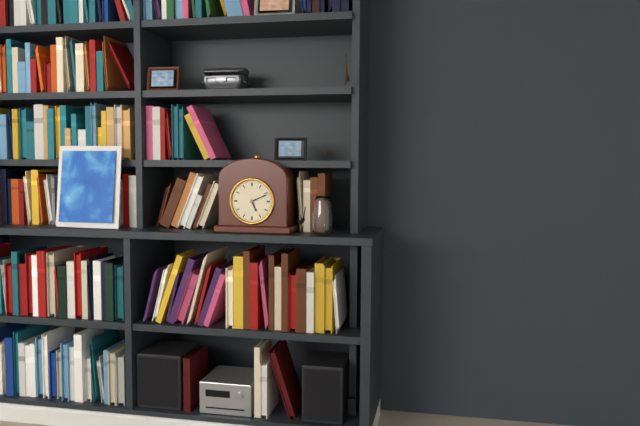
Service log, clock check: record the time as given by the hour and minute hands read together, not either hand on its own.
5:11
